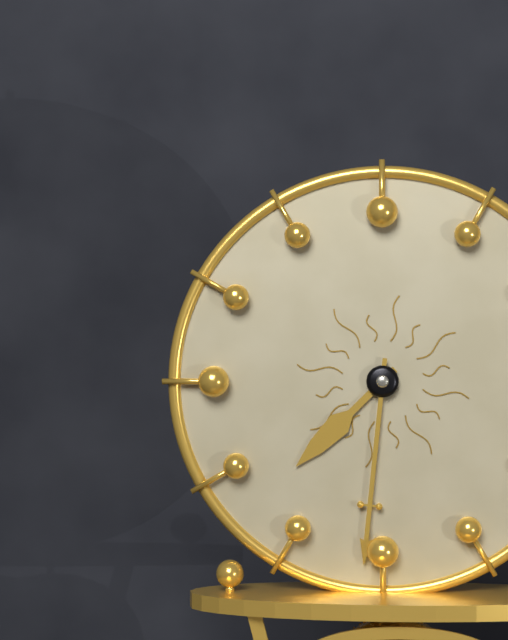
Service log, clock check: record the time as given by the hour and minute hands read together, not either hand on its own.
7:31
